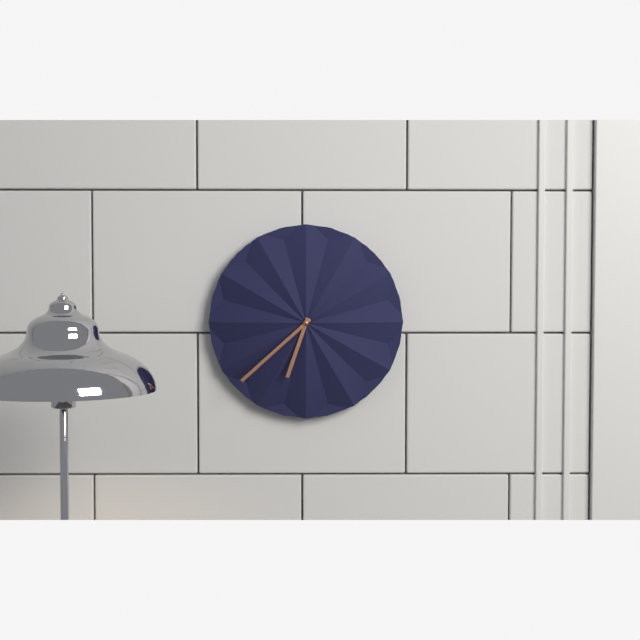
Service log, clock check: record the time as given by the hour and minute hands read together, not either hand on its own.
6:38
